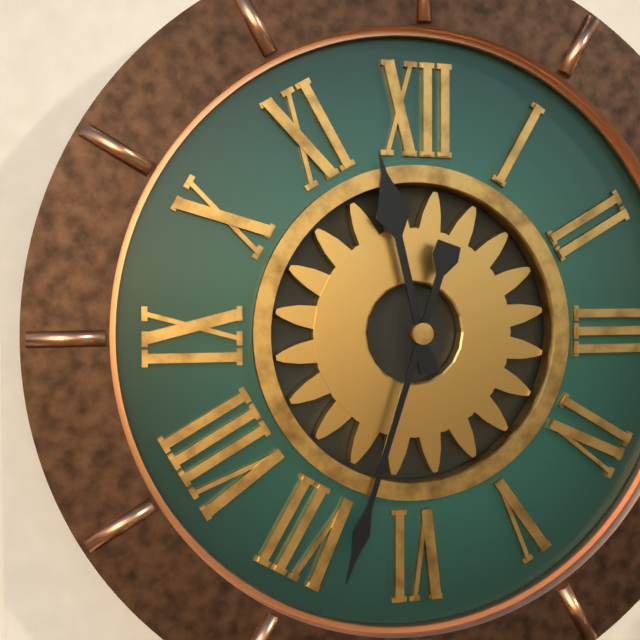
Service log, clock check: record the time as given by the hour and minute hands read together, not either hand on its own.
11:33
